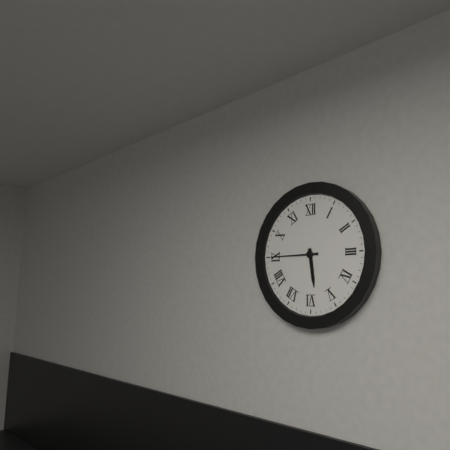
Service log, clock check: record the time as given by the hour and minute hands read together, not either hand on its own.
5:45
